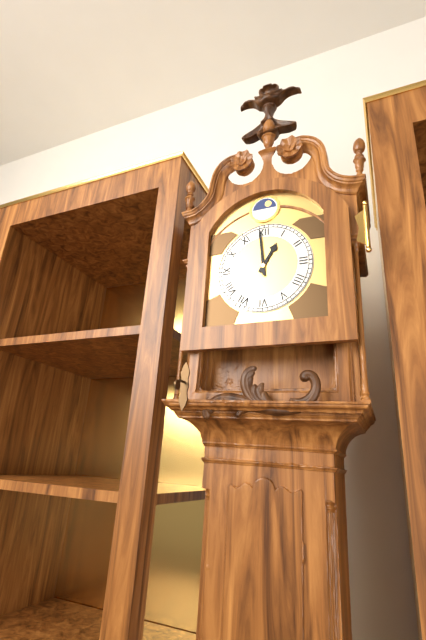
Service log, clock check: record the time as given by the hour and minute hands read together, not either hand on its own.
12:59
